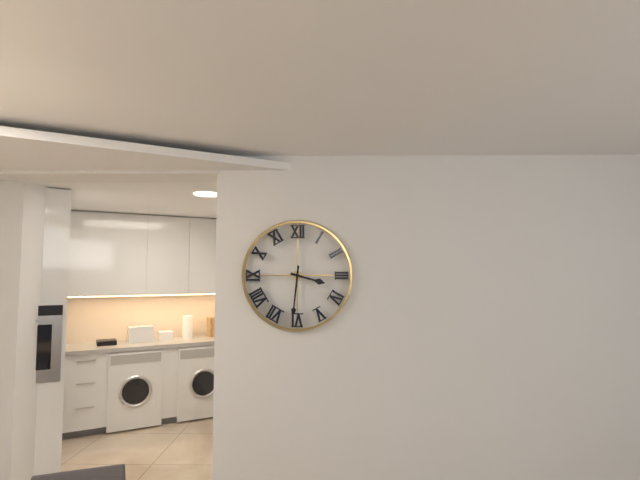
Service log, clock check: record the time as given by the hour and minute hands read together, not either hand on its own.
3:31
